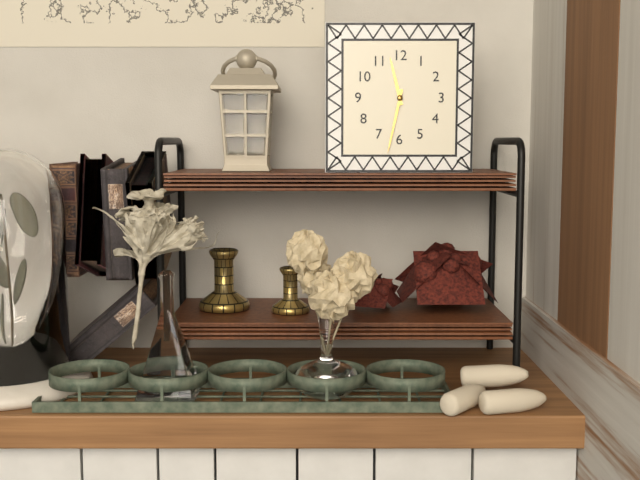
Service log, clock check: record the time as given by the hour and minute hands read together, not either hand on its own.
11:32
